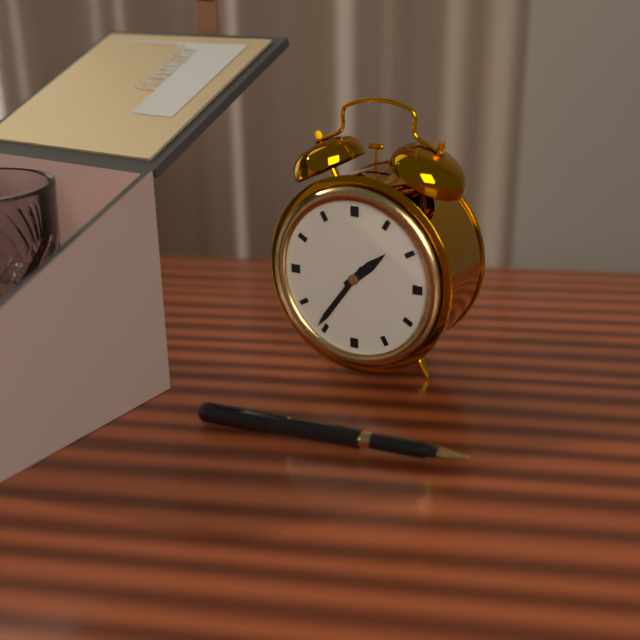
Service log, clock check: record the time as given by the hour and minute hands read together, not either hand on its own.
1:36
